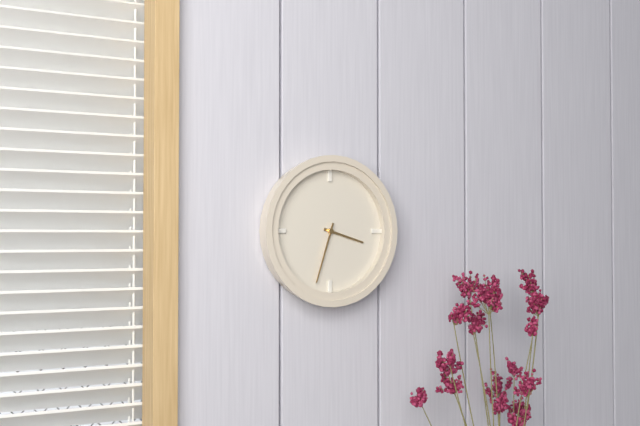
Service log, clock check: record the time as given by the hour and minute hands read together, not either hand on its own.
3:33
